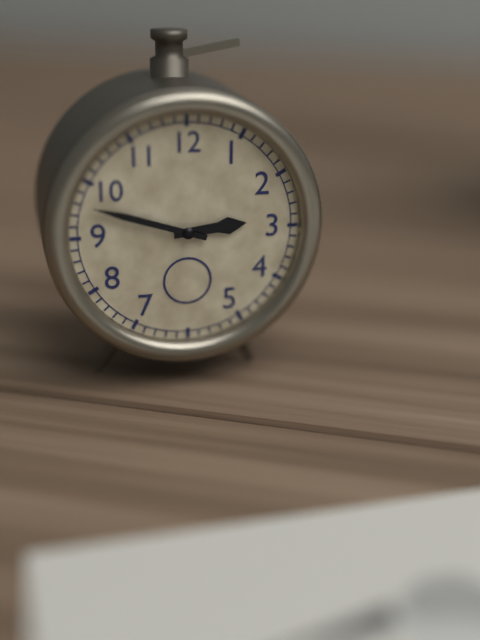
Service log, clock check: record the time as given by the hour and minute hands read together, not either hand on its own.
2:48
